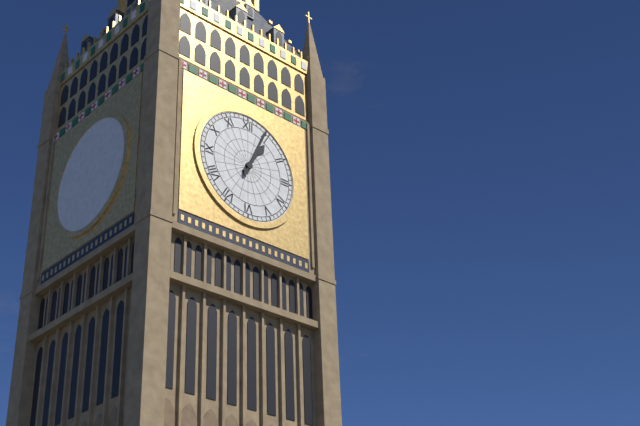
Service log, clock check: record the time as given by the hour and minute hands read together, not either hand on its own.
1:04
